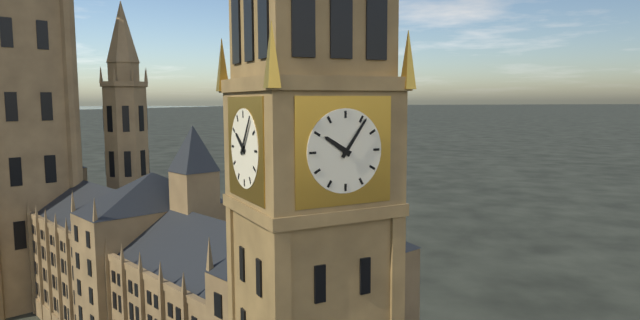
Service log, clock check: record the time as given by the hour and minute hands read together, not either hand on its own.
10:06
